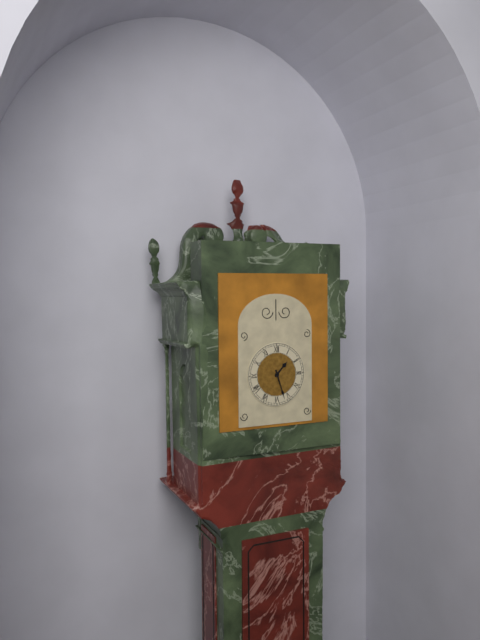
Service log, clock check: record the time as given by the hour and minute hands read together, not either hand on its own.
1:27
